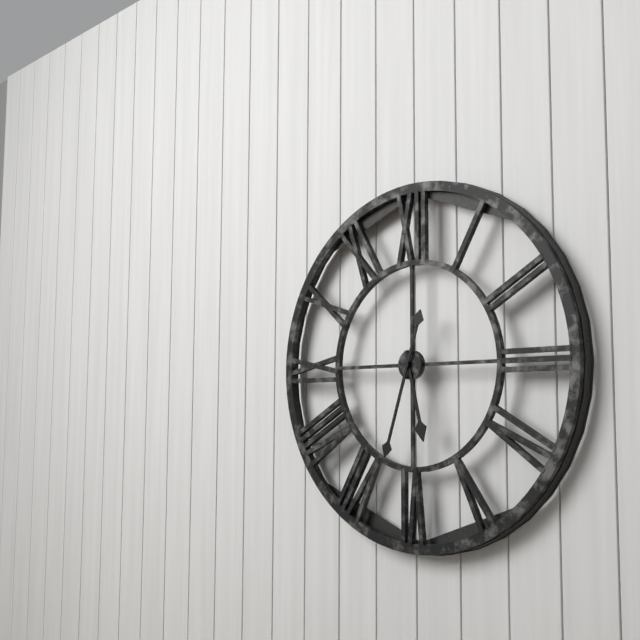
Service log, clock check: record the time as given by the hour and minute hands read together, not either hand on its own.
5:33
